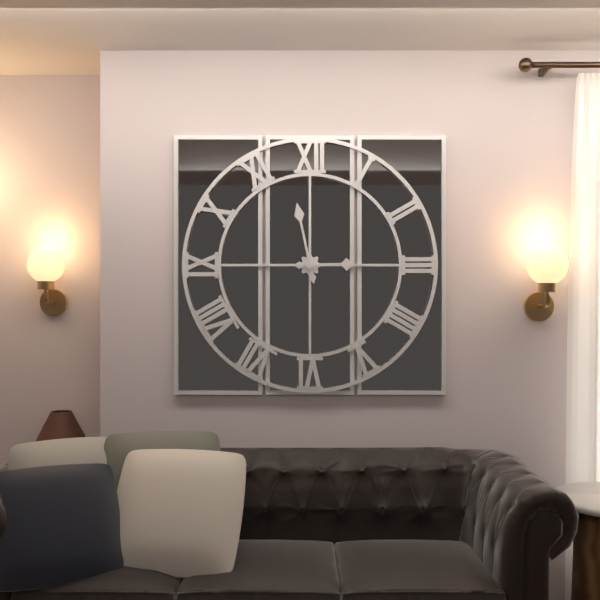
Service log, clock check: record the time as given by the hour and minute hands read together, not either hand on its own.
2:58
